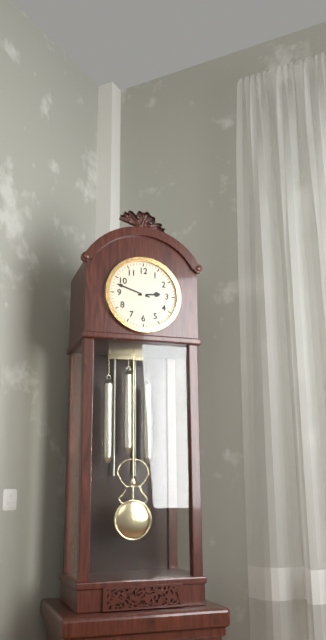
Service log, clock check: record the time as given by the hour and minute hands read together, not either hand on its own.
2:48
